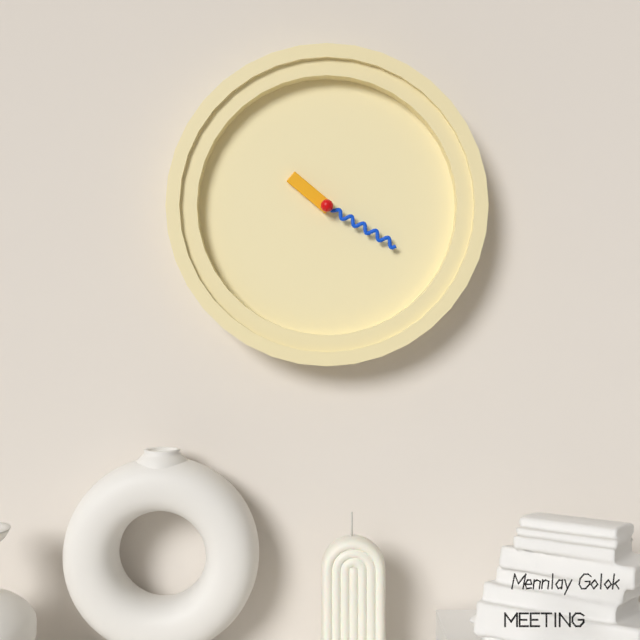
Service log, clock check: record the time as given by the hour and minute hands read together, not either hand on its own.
10:20
